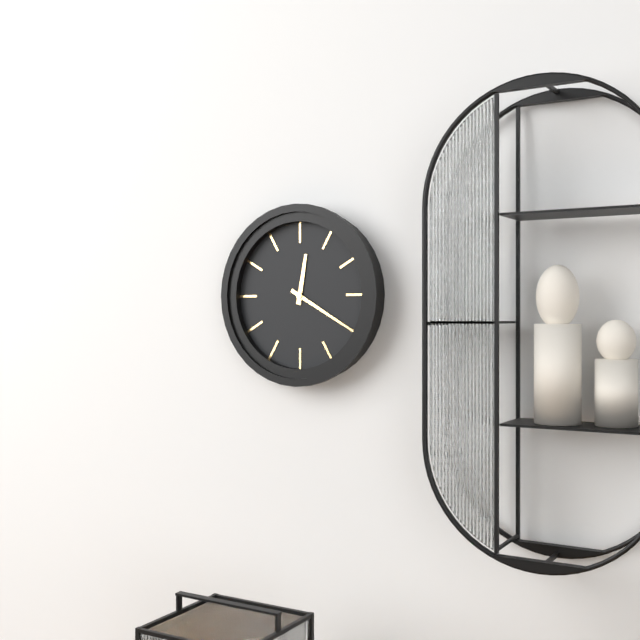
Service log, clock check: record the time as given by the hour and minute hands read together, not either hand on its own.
12:20
